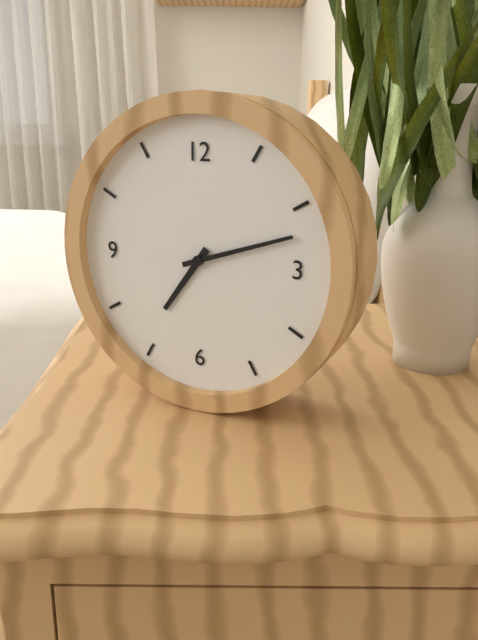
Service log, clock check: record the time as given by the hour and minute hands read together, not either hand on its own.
7:12
